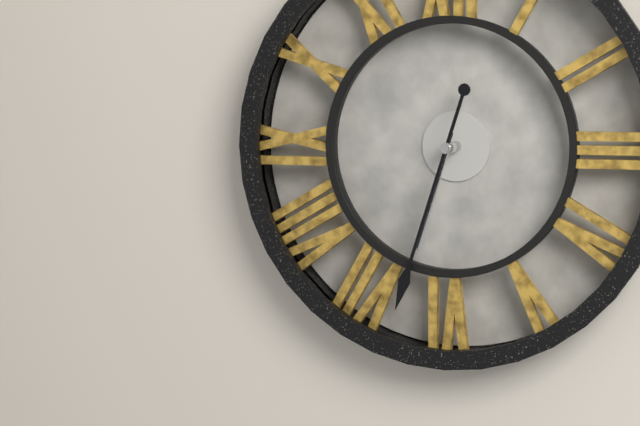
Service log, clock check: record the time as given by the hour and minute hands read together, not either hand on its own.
6:33
